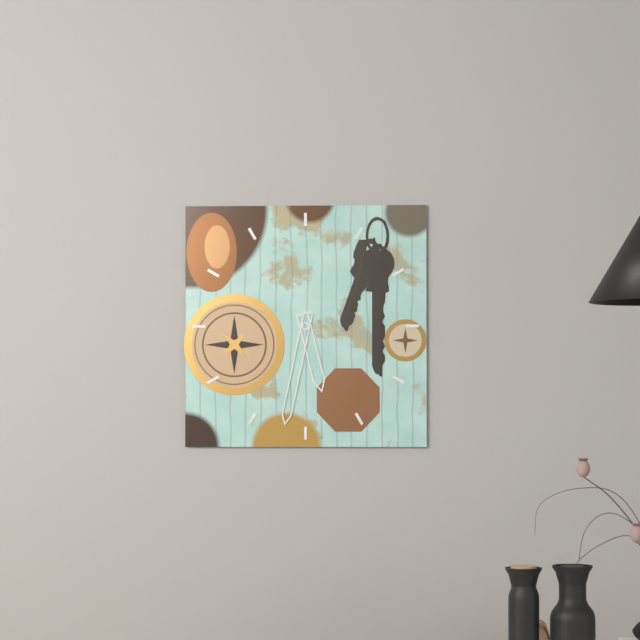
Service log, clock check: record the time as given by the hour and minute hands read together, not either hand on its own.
5:32
